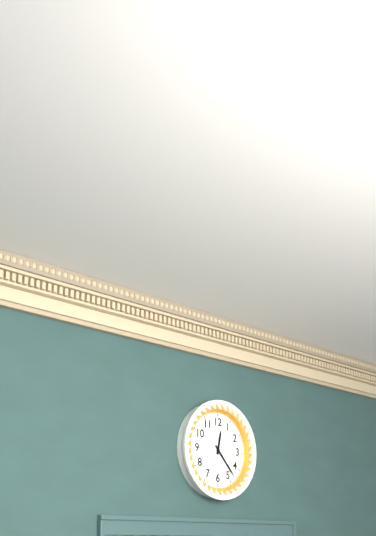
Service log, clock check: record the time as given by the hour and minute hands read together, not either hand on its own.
12:23
